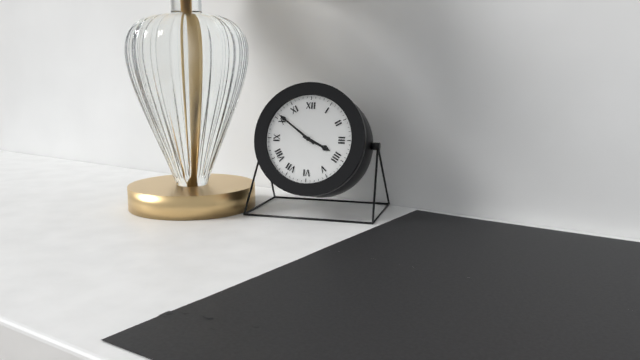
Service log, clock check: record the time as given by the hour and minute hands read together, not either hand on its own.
3:51
